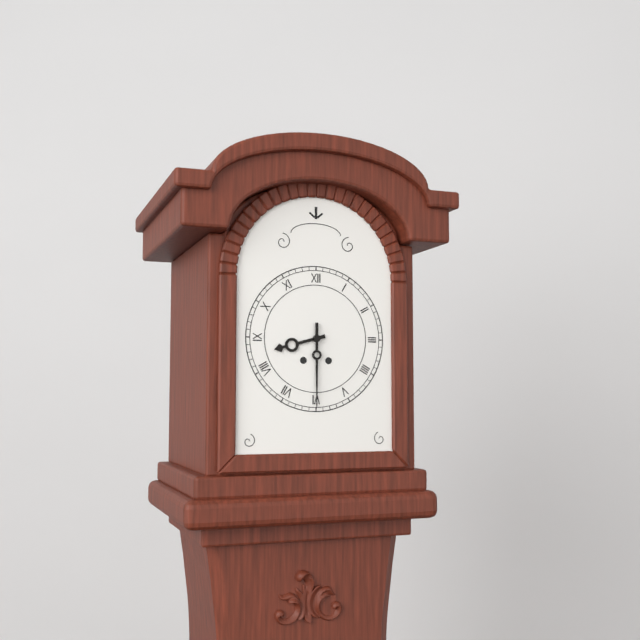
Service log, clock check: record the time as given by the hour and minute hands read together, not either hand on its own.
8:30
